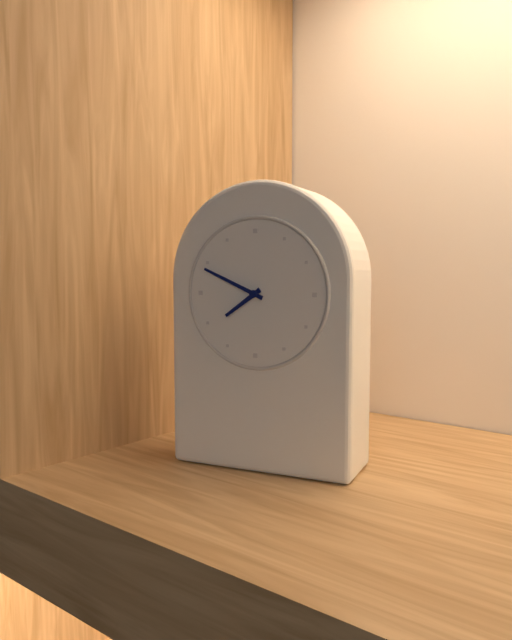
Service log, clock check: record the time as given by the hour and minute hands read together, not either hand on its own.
7:49
